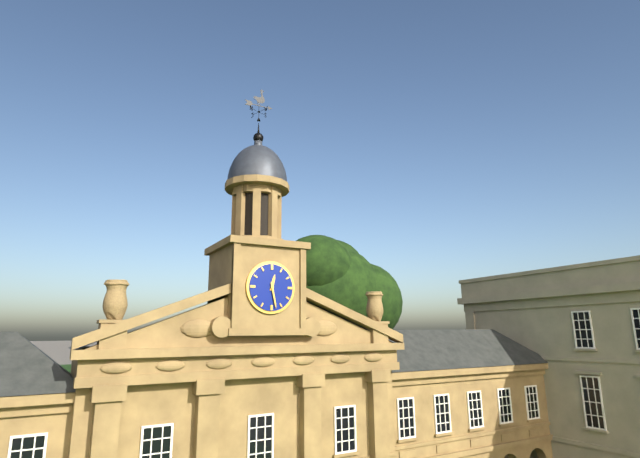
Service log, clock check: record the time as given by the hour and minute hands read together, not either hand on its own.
12:28
